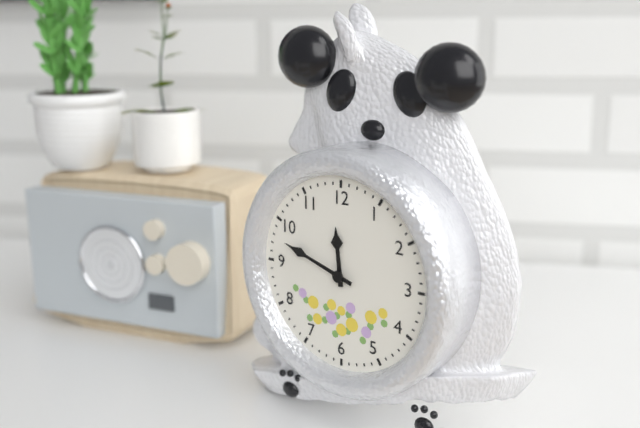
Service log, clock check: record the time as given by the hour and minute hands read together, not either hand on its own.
11:48
